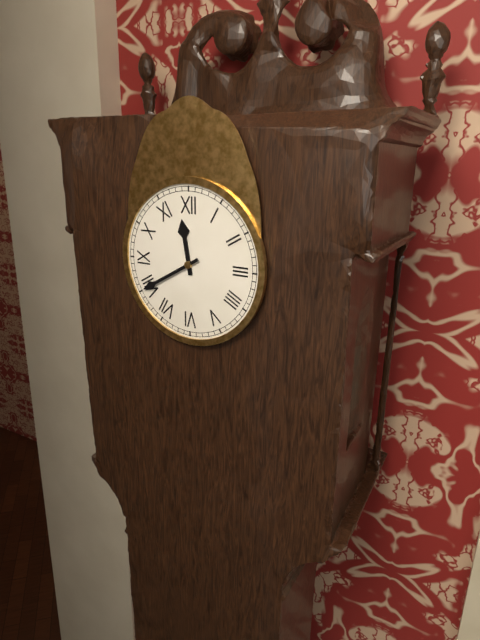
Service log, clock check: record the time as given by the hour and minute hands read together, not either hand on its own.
11:40
